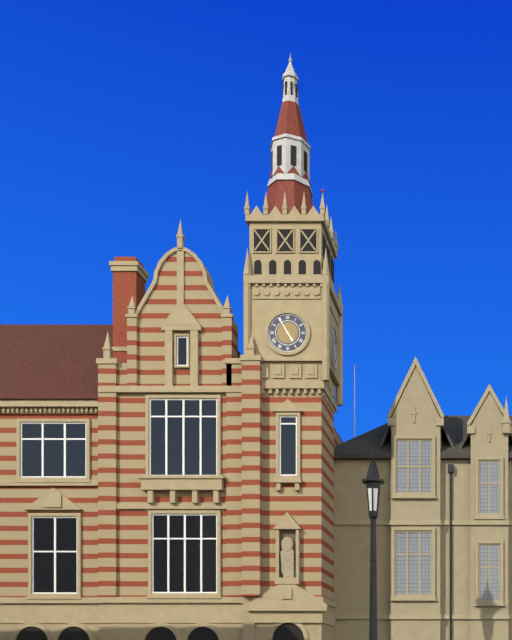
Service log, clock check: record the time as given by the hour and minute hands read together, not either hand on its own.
4:55
